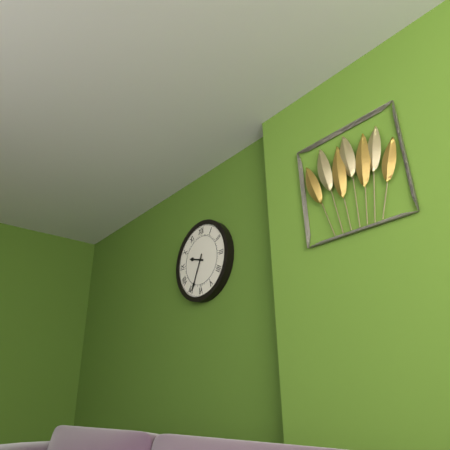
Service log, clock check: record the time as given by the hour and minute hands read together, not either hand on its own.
9:34
